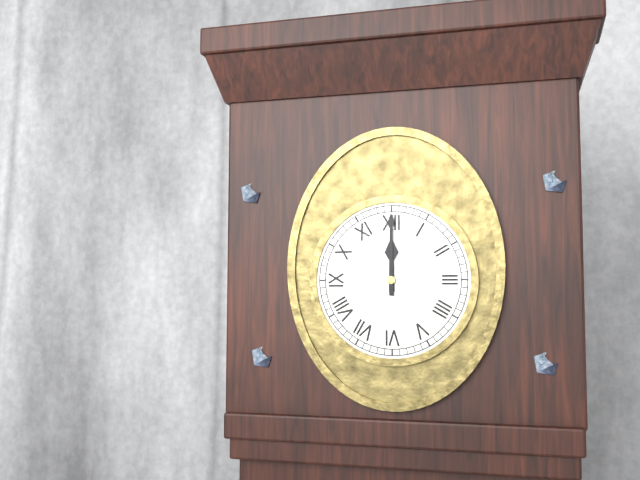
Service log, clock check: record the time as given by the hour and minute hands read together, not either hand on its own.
12:00
